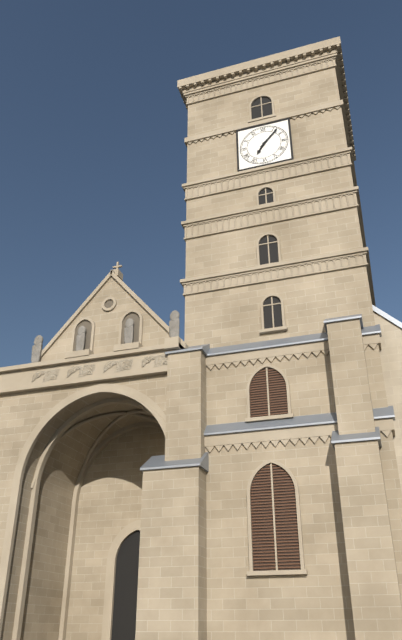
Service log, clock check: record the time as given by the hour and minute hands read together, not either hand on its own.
7:07
